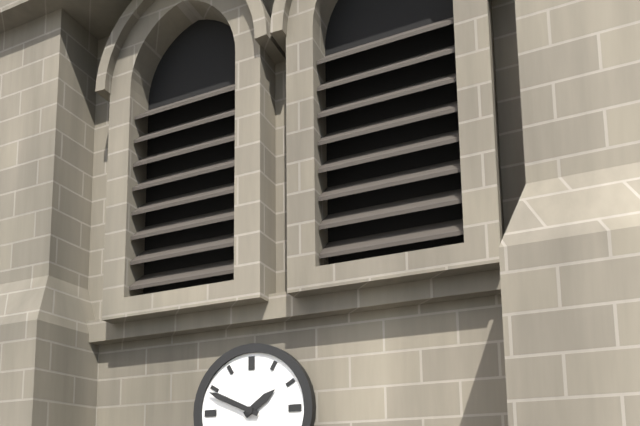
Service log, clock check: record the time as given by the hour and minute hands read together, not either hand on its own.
1:49
